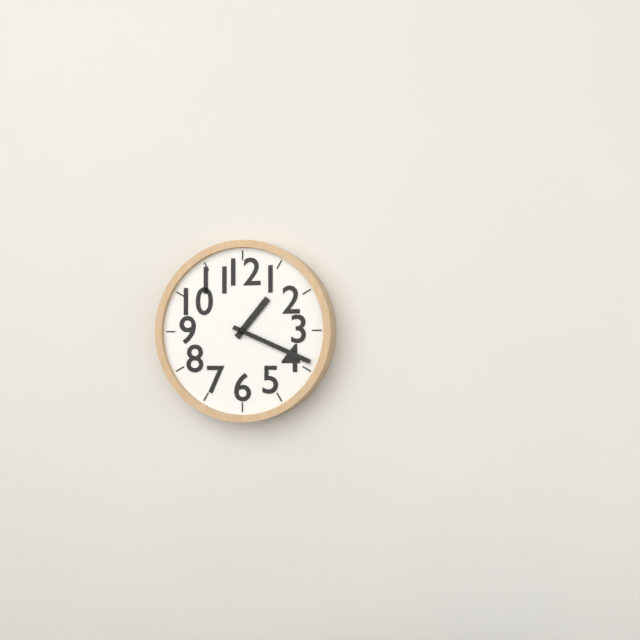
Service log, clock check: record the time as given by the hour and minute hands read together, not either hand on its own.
1:19
